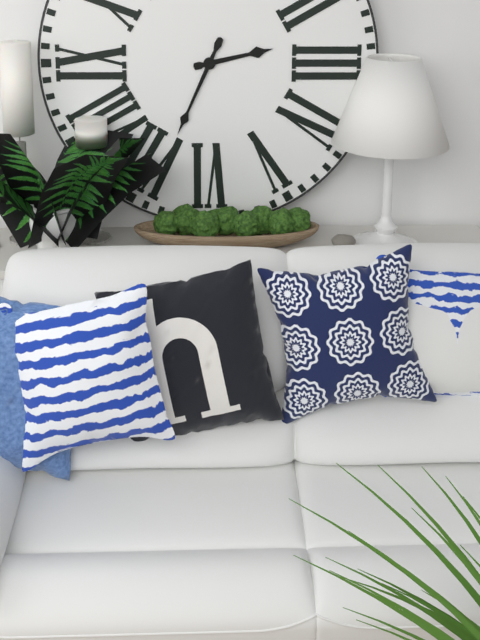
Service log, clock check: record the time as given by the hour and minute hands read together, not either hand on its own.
2:34
